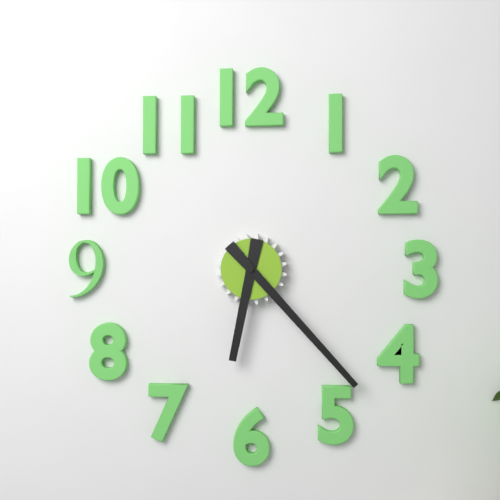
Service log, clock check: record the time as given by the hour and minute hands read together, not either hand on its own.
6:23
